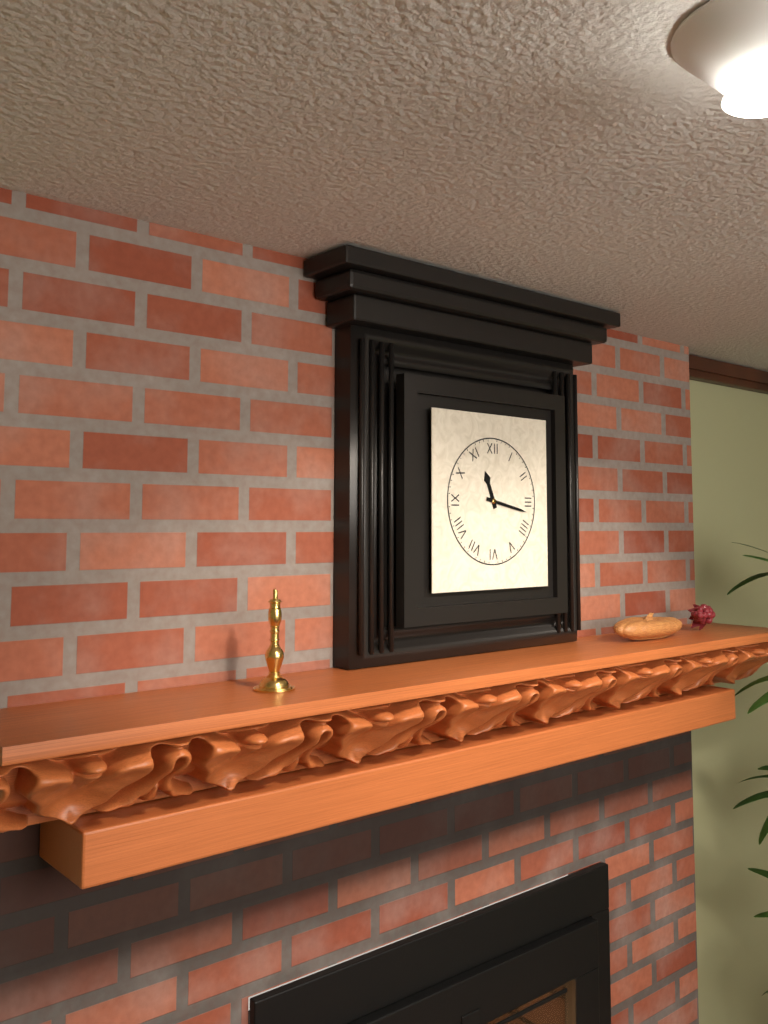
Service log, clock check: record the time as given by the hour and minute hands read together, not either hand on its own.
11:17
